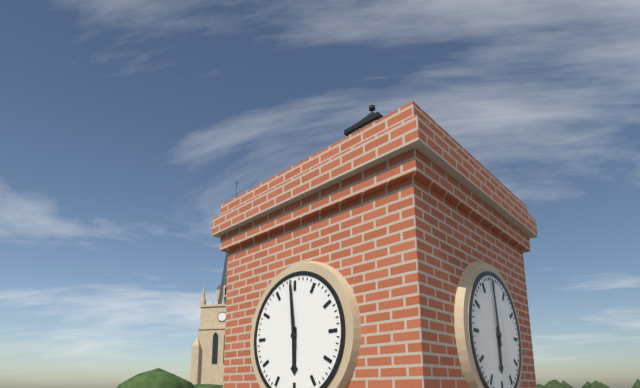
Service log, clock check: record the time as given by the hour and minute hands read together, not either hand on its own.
5:59
